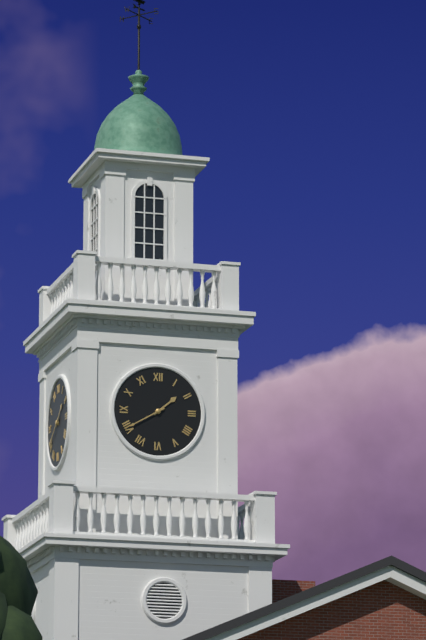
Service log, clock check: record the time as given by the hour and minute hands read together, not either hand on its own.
1:40
